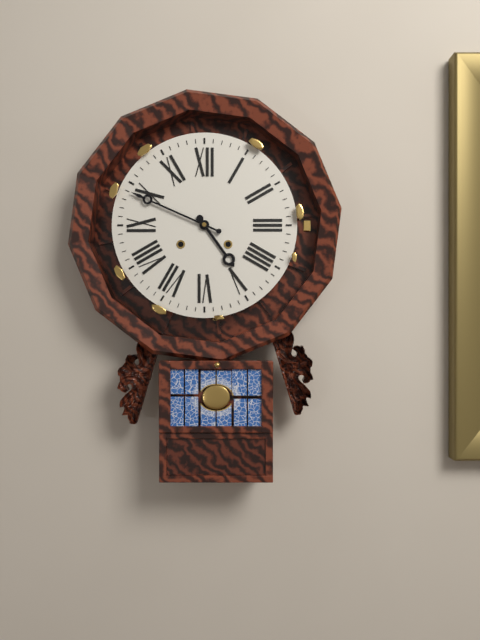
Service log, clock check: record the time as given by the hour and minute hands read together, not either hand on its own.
4:49
